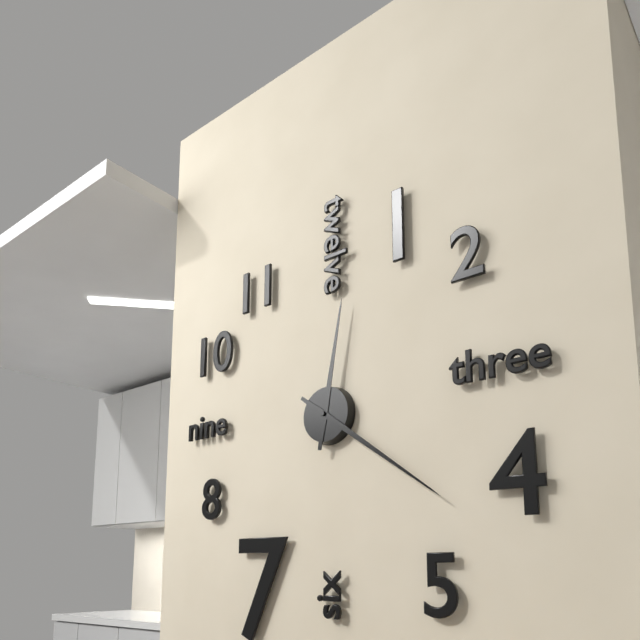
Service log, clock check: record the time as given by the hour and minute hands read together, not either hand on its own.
12:21
